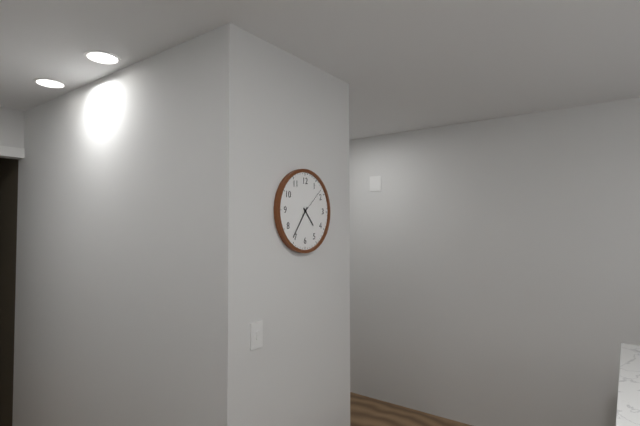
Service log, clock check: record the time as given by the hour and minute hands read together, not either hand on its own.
4:36
